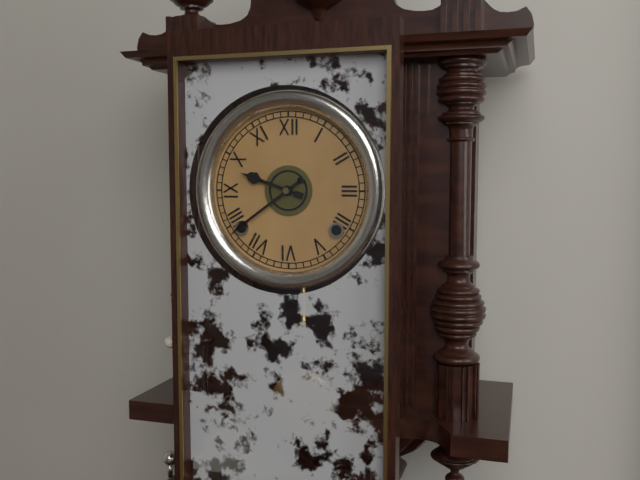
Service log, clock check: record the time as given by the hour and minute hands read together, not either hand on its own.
9:39
